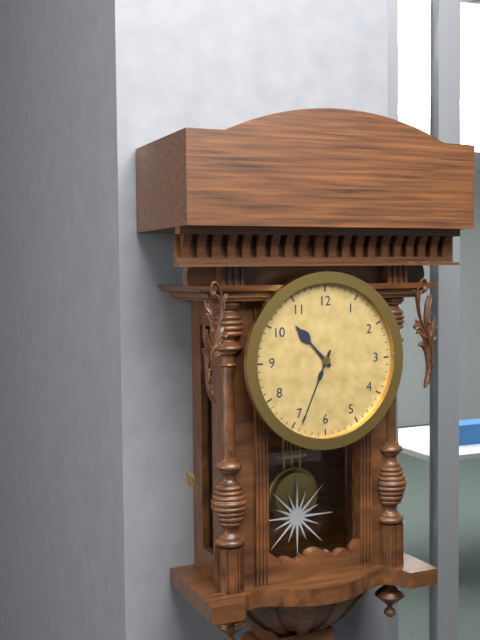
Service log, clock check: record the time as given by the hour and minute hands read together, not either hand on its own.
10:34
